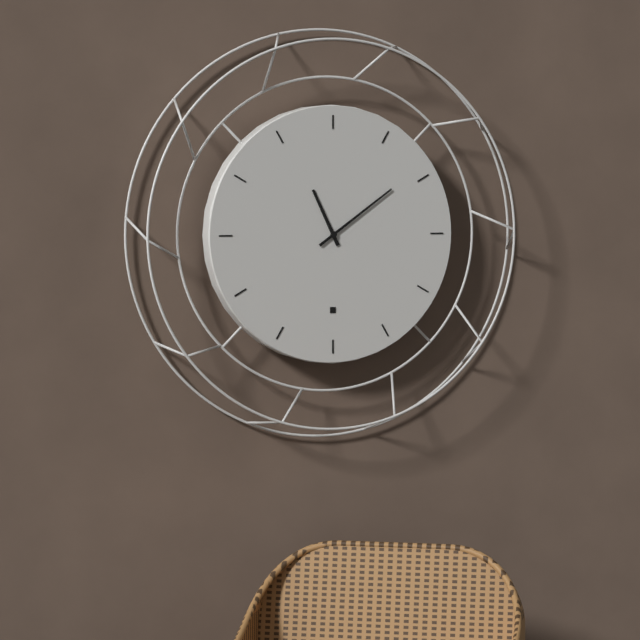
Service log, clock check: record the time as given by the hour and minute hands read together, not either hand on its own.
11:09
